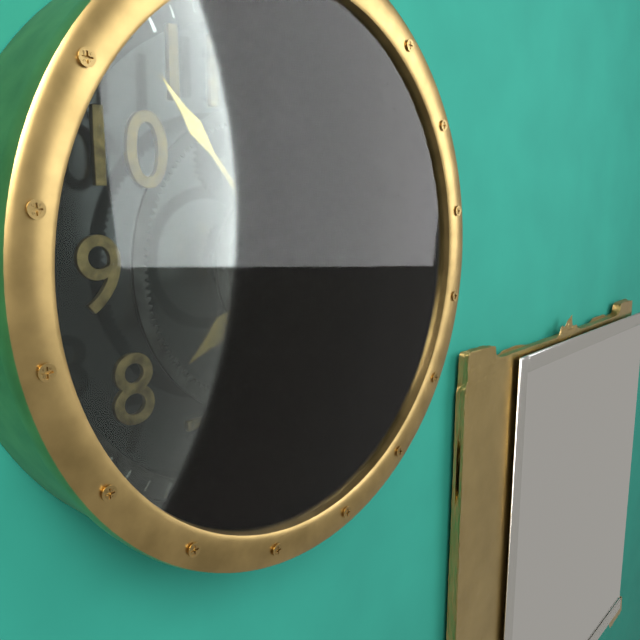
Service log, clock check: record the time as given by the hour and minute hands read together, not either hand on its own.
7:53
